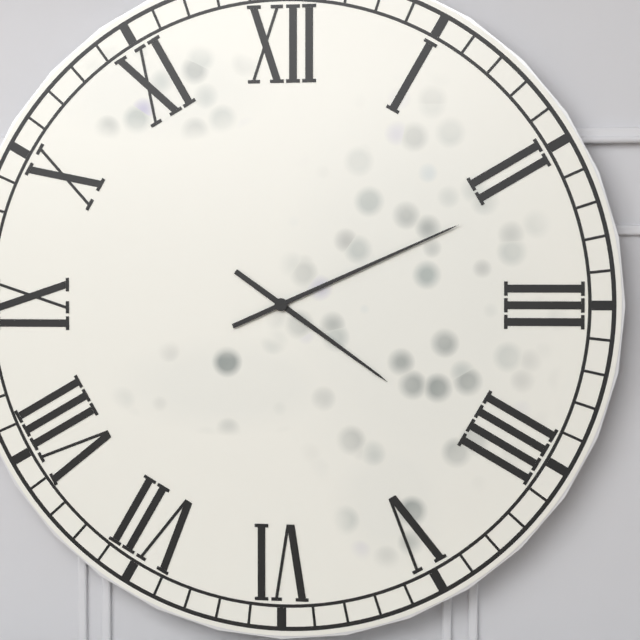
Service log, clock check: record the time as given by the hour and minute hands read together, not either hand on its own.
4:11
